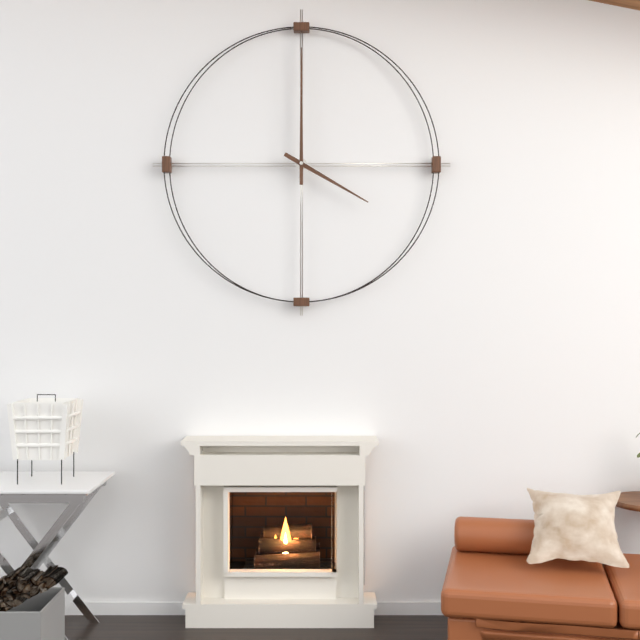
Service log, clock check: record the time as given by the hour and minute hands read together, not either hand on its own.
4:00
